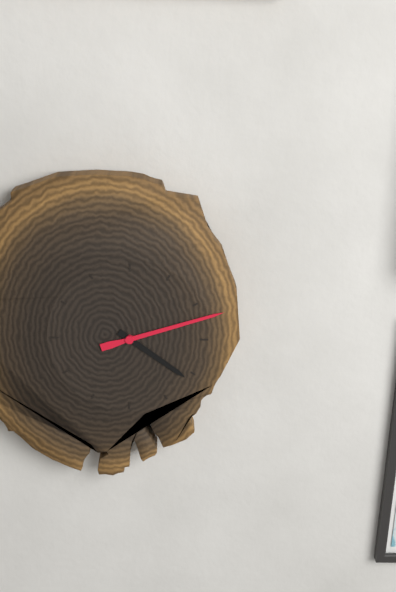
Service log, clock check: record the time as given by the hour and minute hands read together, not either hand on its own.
4:12
